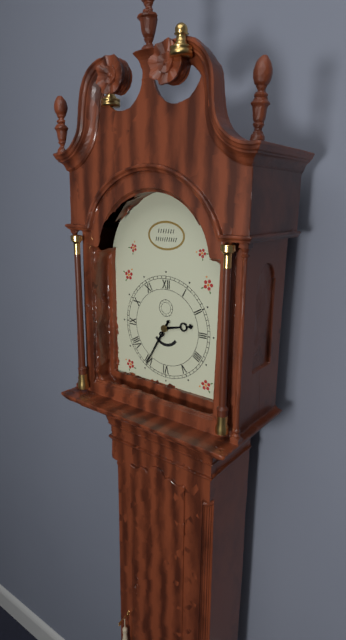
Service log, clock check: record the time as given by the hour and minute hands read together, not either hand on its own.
2:35
